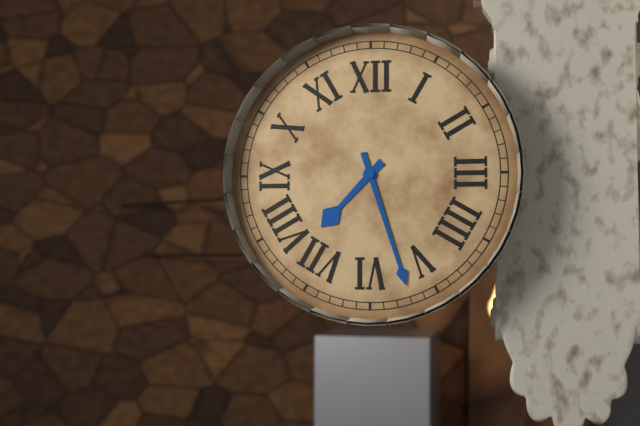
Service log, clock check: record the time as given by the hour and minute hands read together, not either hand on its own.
7:27
